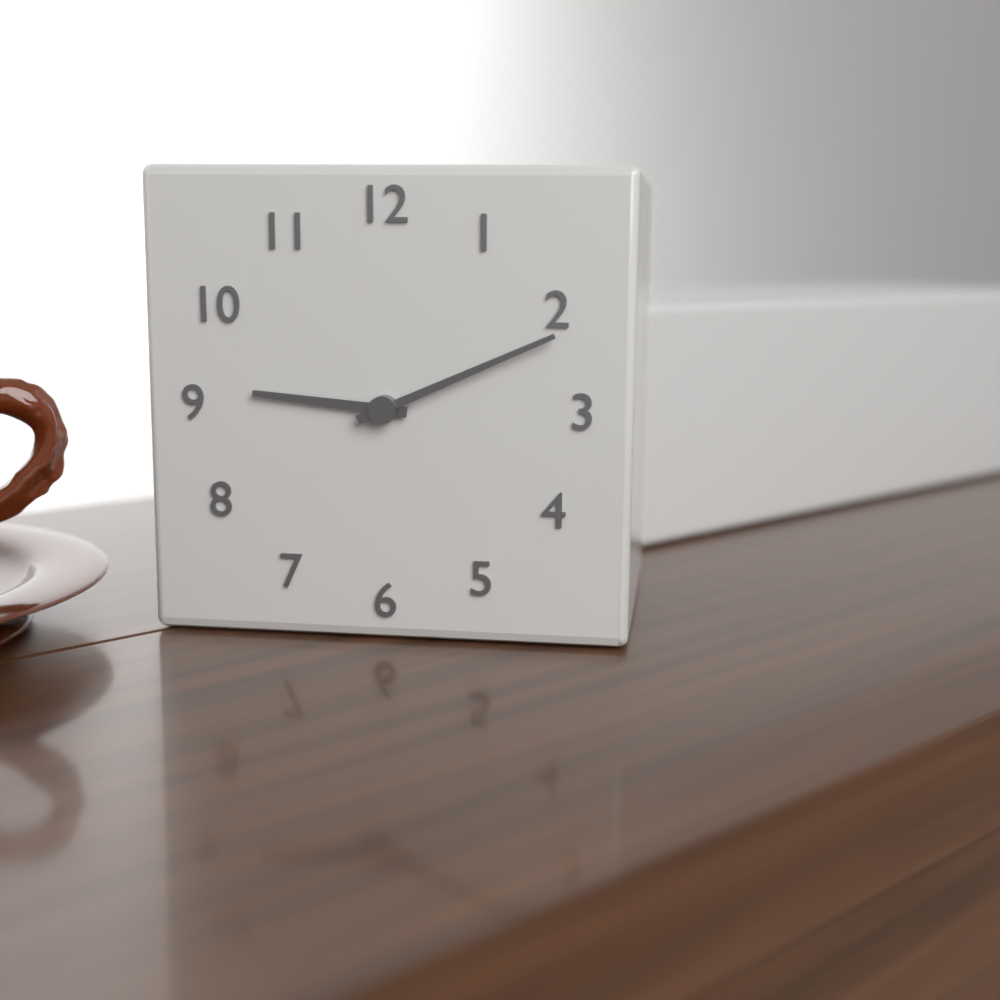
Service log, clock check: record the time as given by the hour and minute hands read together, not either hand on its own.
9:11
